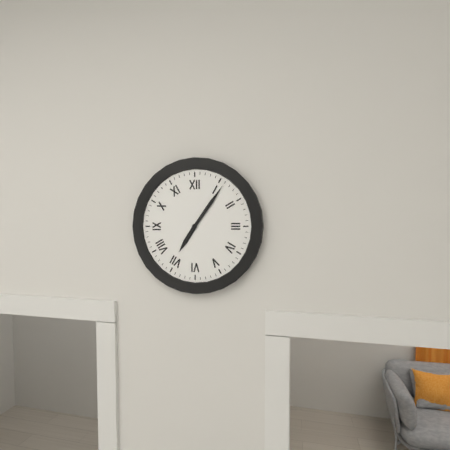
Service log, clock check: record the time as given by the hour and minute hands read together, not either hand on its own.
7:06
